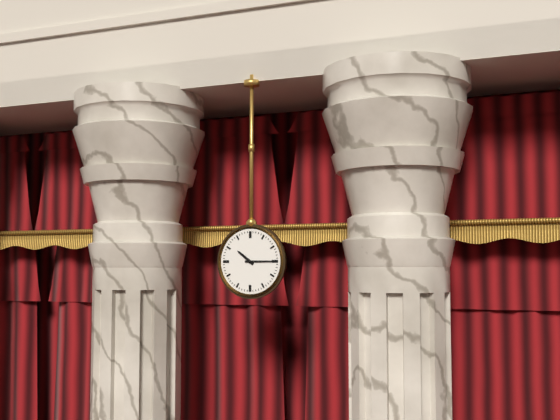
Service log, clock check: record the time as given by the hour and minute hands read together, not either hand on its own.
10:15
